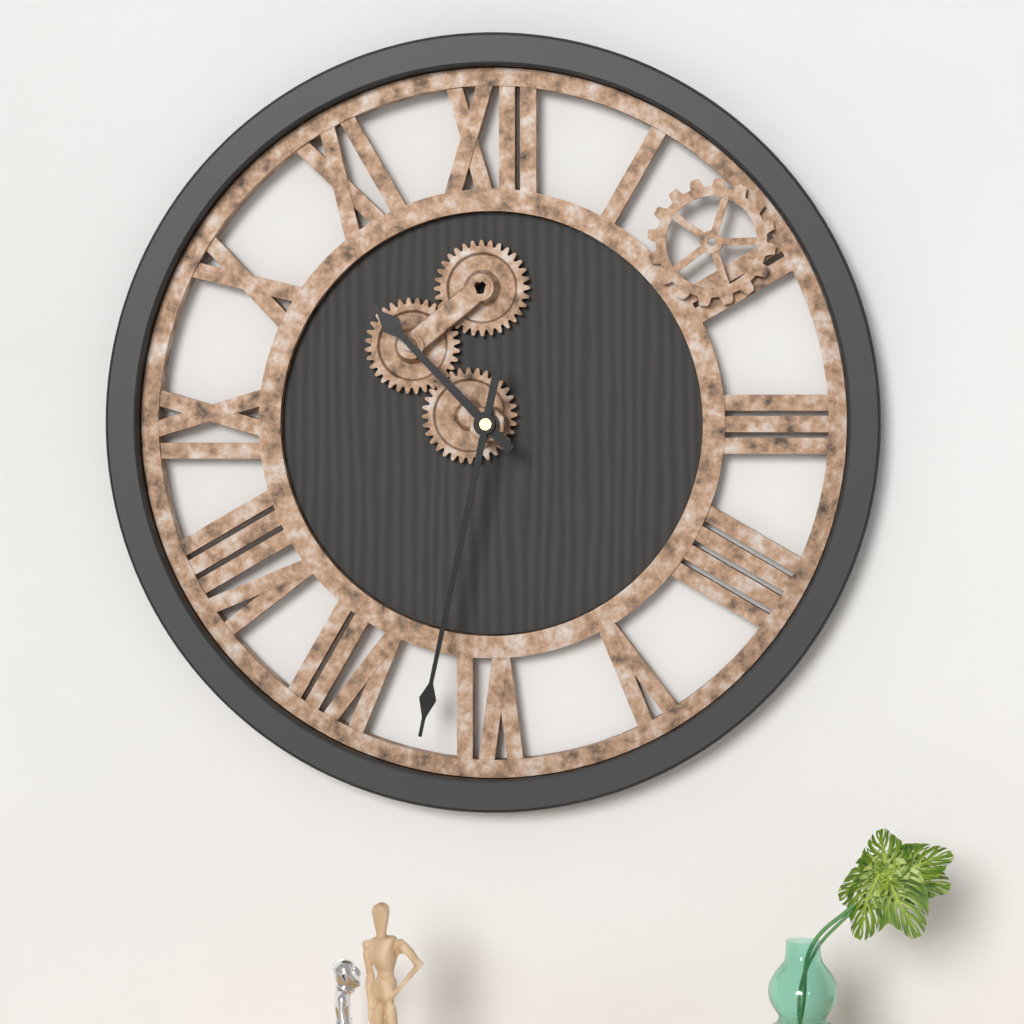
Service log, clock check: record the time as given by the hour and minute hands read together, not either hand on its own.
10:32
